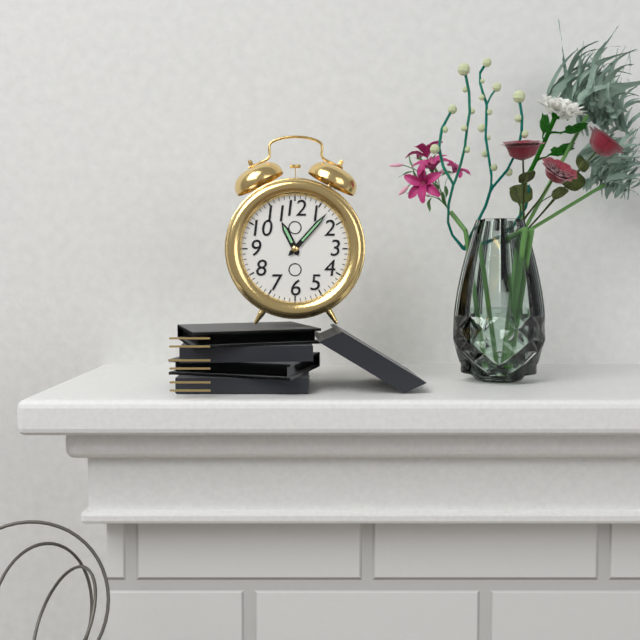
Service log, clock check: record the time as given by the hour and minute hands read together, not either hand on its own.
11:07
